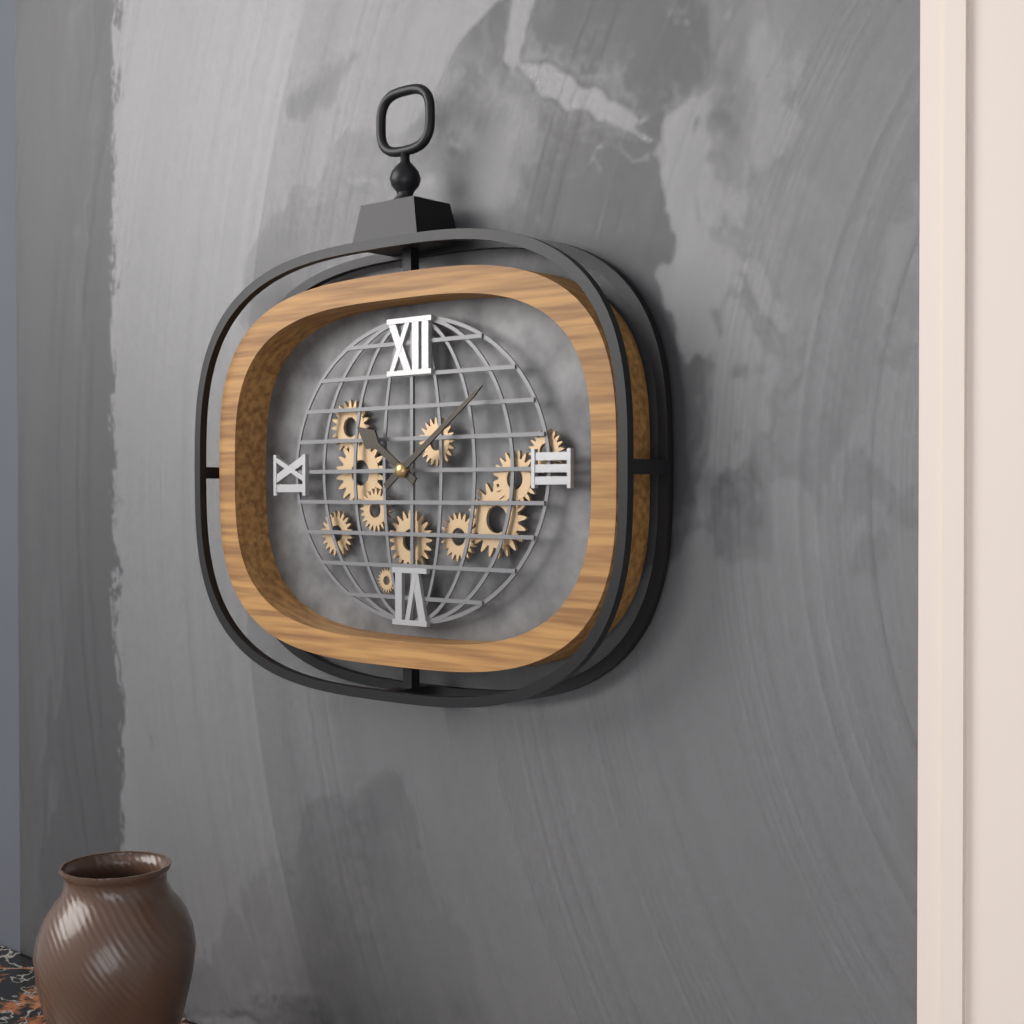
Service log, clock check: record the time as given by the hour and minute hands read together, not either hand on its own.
10:09
